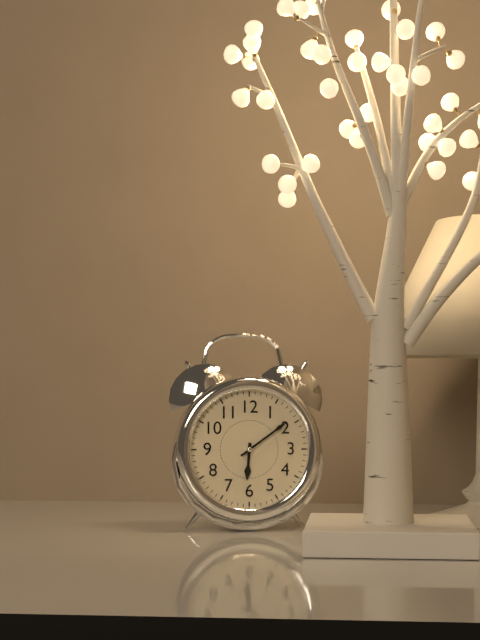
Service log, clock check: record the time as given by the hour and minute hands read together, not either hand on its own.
6:09
